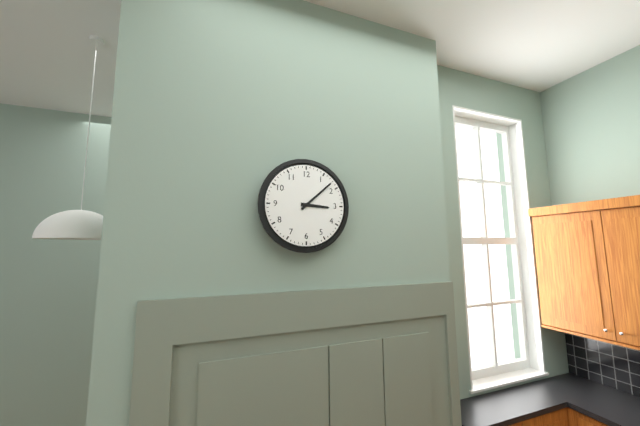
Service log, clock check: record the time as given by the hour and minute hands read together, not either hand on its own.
3:08
